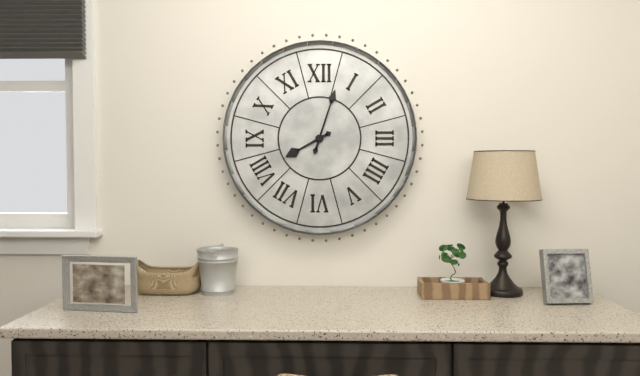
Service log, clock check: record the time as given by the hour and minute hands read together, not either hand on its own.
8:03
